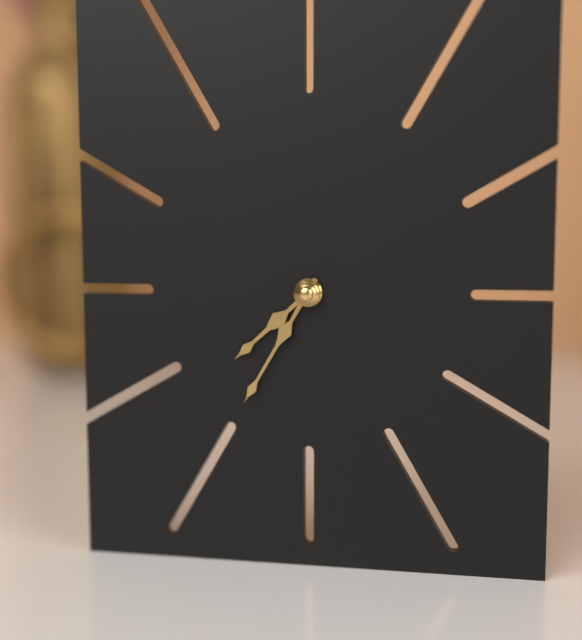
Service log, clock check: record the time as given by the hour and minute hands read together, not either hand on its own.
7:35
